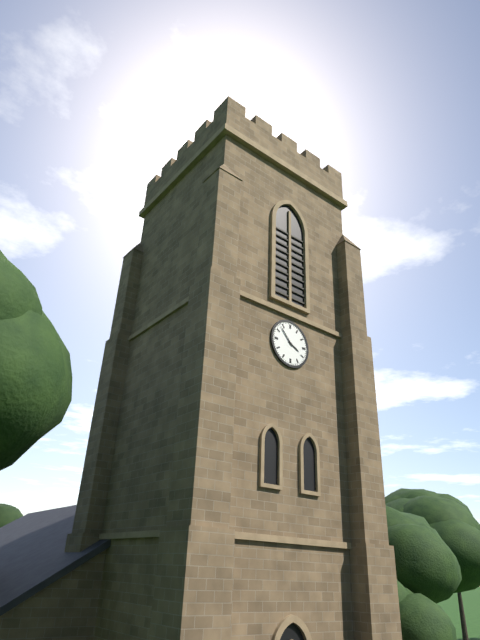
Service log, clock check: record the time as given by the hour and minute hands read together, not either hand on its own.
3:53
